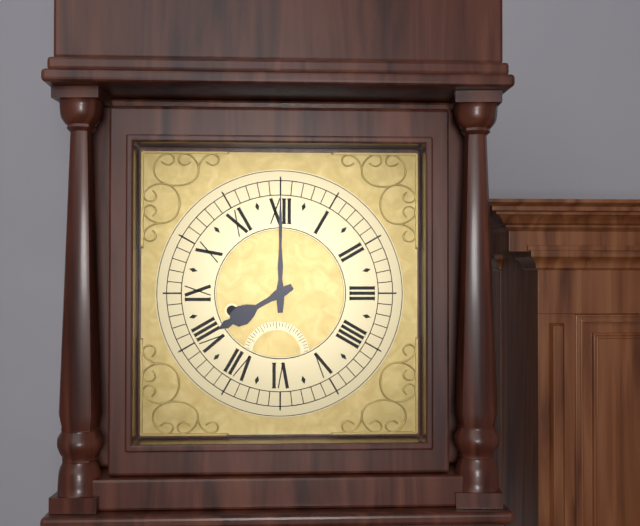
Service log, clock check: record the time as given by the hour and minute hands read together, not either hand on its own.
8:00
